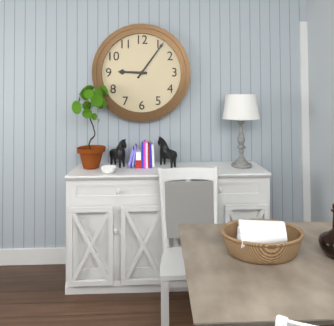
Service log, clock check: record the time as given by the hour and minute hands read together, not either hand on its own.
9:06
